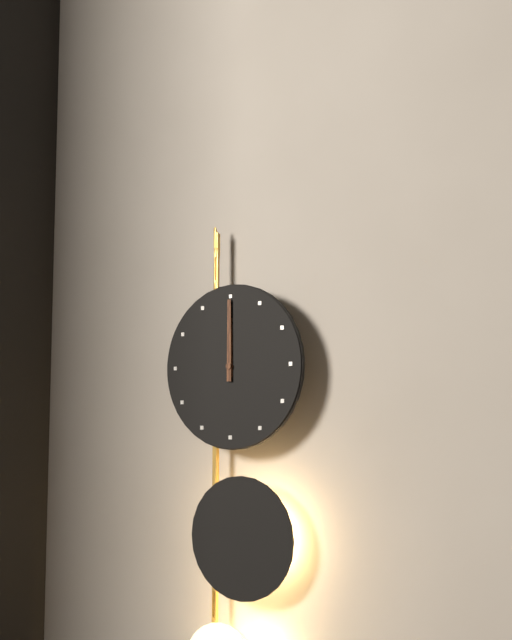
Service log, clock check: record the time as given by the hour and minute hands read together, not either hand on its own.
12:00
